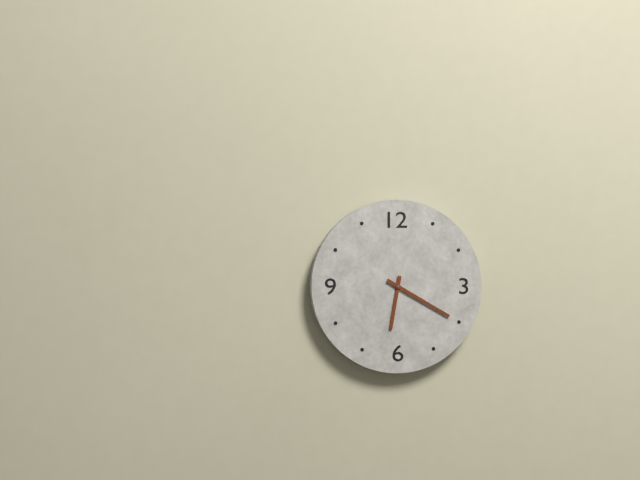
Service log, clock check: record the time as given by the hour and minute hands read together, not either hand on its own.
6:20
